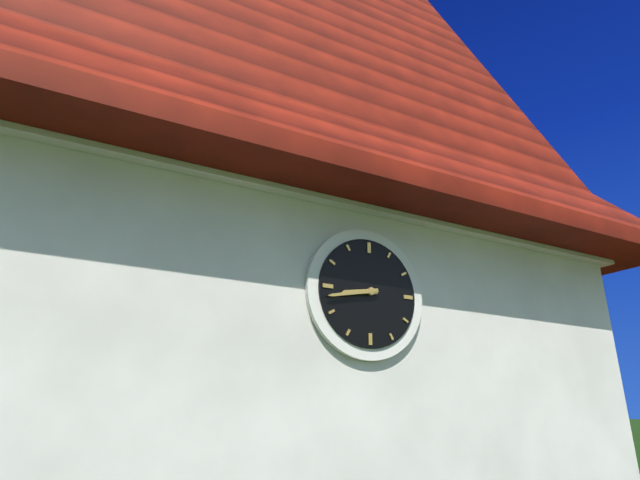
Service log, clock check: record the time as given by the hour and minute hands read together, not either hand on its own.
8:43
